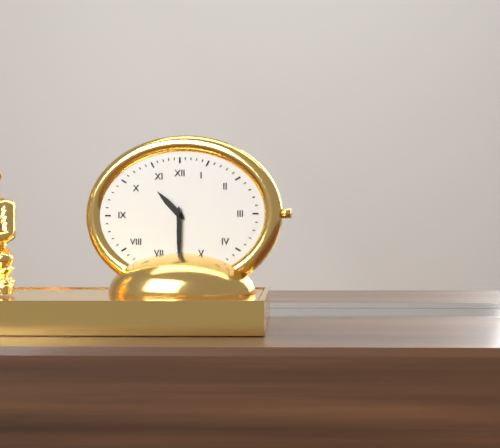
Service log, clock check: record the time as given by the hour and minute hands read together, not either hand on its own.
10:30
